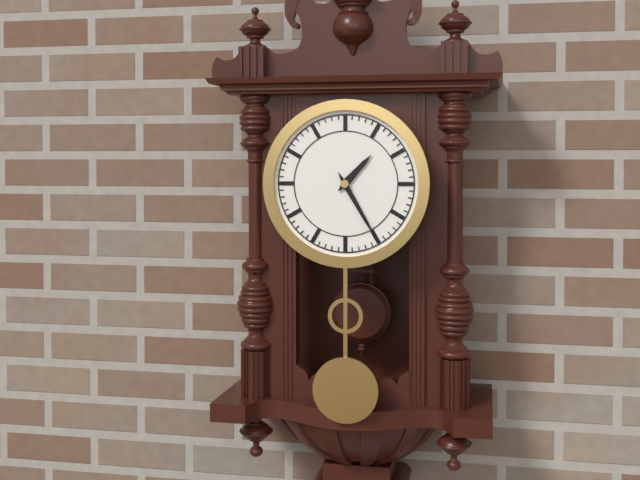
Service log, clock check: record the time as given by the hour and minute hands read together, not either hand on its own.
1:25
